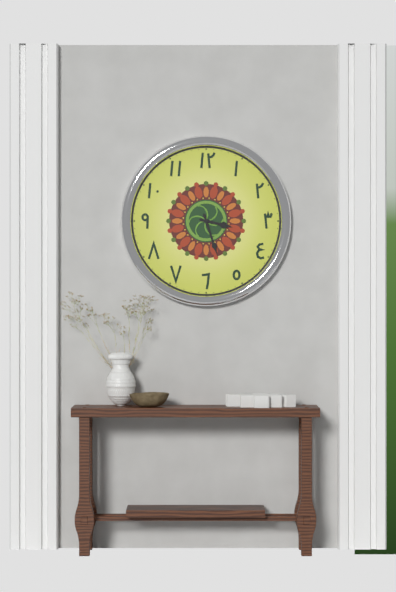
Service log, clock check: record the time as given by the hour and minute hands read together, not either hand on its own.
3:27
